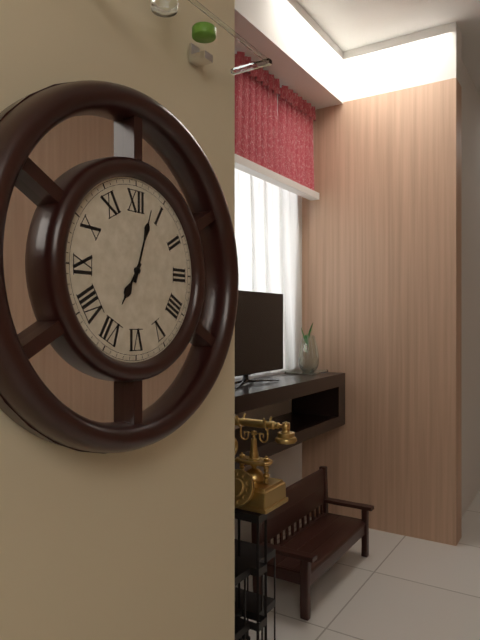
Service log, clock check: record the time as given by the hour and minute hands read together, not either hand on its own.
7:03
